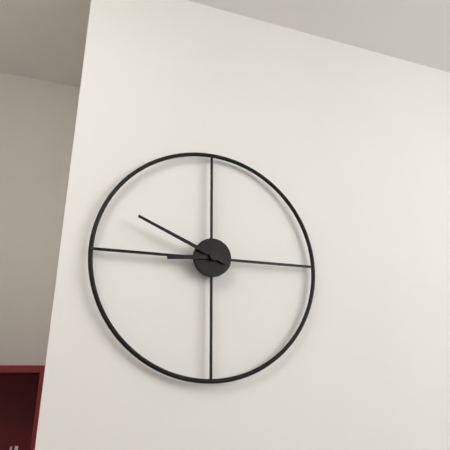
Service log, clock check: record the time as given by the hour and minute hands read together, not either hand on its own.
8:49
